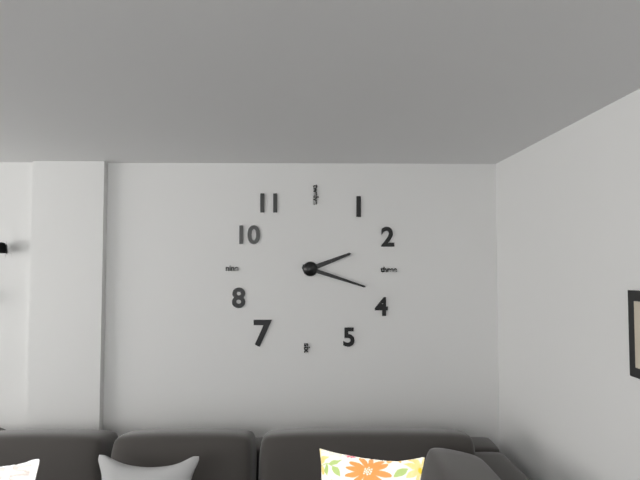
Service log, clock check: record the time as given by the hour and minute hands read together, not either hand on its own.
2:18
